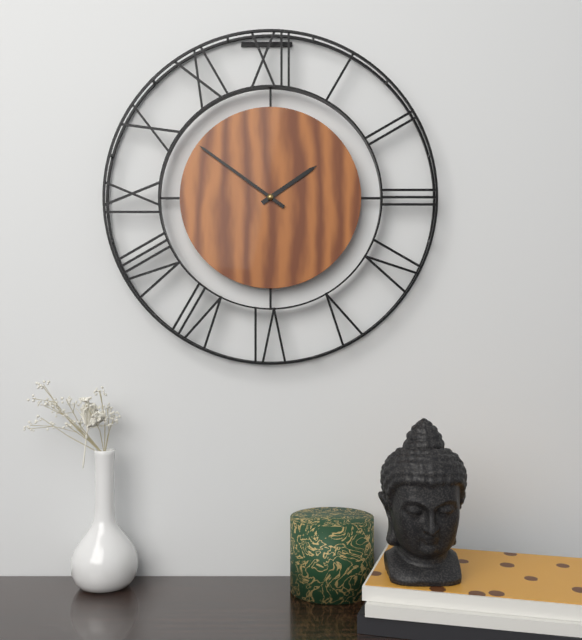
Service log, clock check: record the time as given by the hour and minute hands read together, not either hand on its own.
1:51
